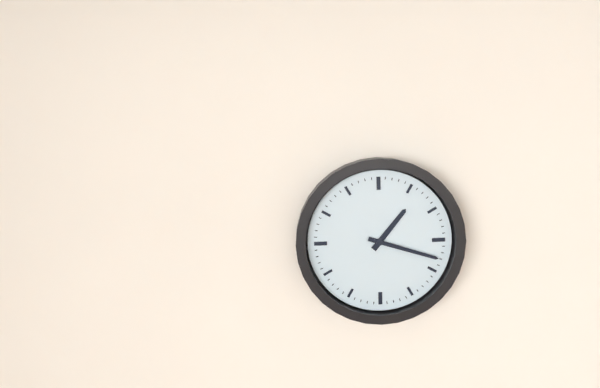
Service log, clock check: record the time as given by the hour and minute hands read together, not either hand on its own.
1:18
